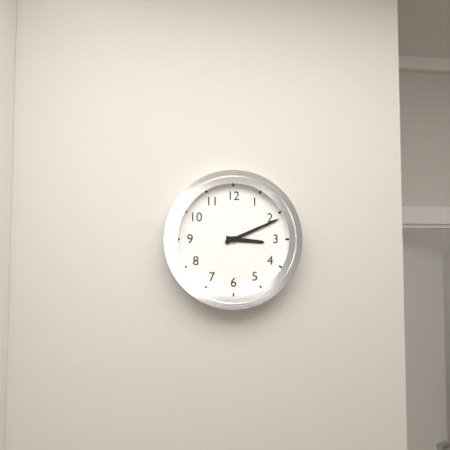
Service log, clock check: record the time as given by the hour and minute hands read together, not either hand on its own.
3:11
